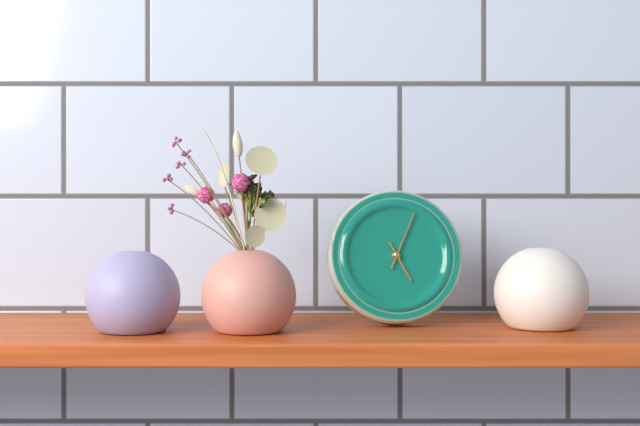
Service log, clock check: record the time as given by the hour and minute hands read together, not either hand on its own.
5:04
